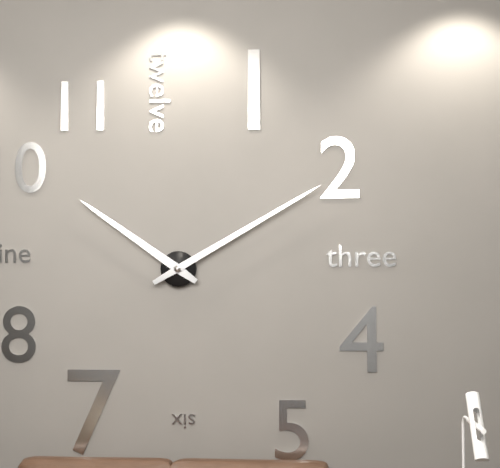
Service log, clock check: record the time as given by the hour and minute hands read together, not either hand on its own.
10:10
